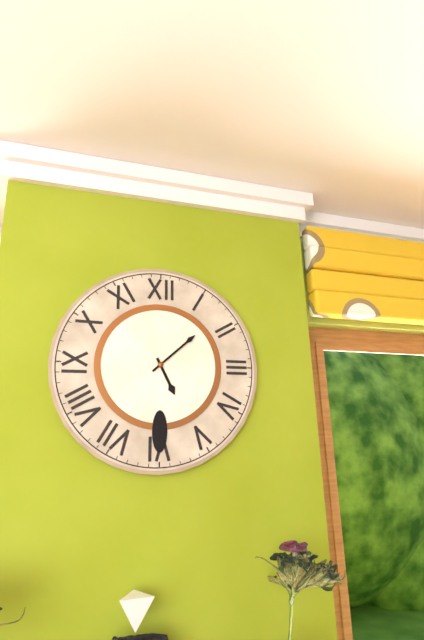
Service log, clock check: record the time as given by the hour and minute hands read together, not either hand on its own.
5:08
